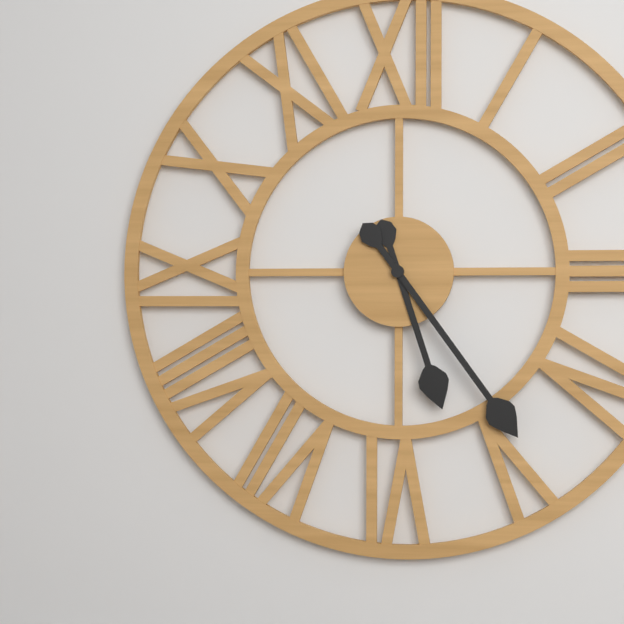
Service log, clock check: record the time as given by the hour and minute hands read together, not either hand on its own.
5:24
